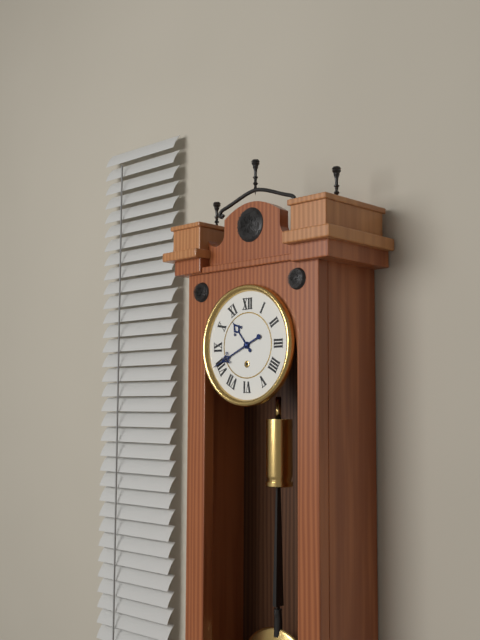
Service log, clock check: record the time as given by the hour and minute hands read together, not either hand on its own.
10:41
